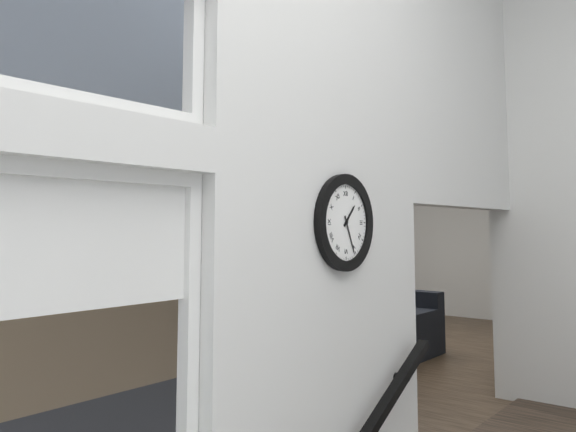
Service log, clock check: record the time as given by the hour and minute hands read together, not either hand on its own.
1:26
